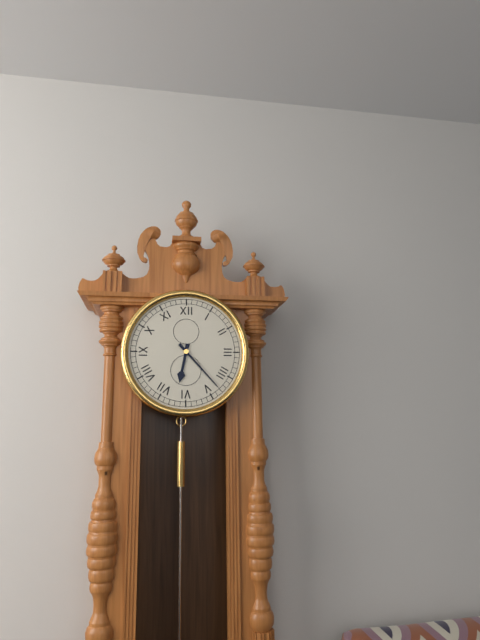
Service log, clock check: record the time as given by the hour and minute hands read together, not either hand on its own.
6:23
